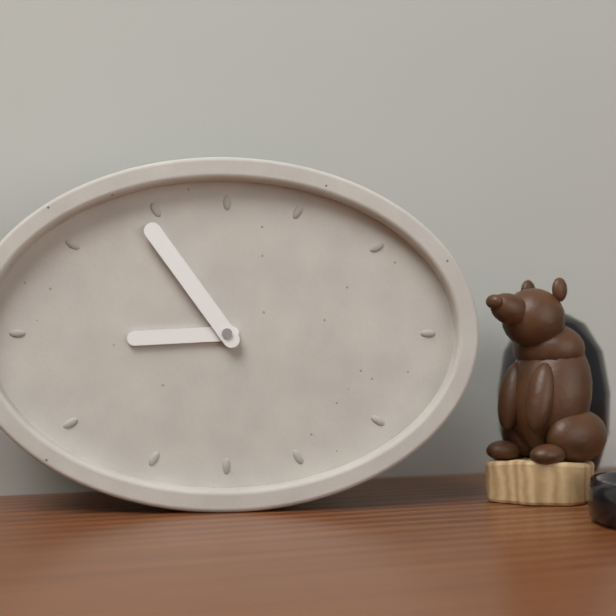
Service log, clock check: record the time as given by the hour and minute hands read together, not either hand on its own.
8:54
